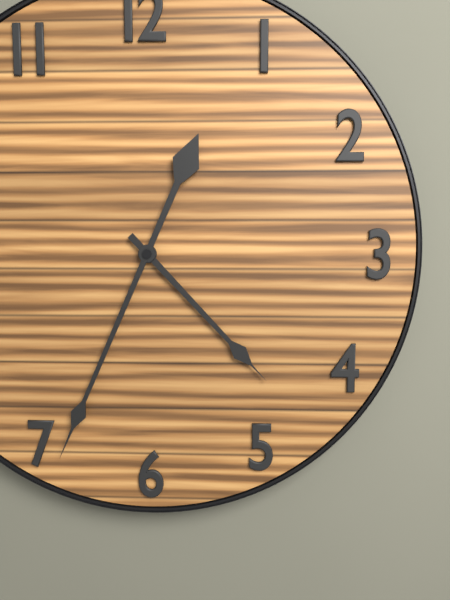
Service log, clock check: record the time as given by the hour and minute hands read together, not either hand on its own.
4:34
